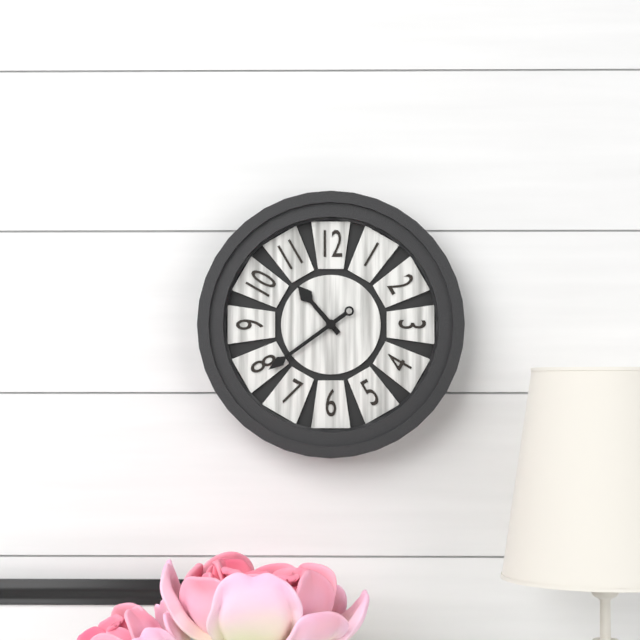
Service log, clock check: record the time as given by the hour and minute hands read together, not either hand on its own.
10:39
